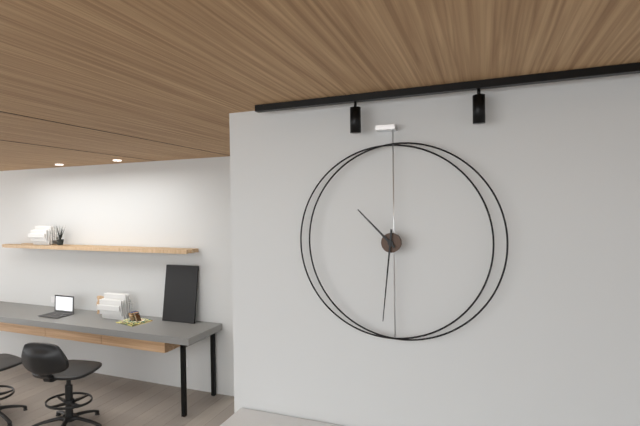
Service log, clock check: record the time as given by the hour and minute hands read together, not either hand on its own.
10:31
